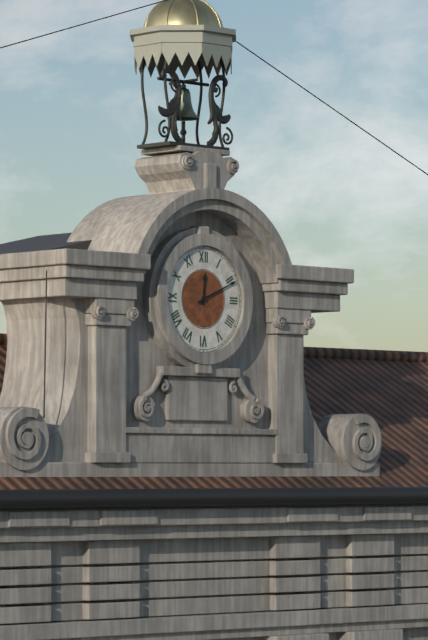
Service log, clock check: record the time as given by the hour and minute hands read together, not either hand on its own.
12:11
